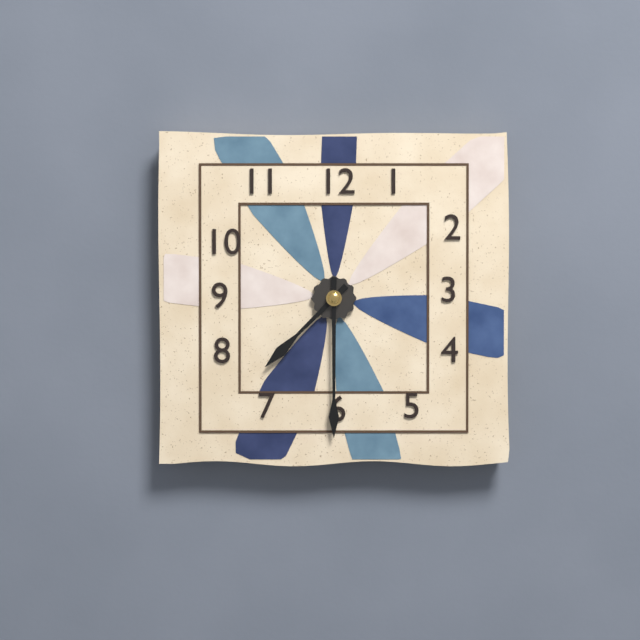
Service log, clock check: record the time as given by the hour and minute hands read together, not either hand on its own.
7:30
